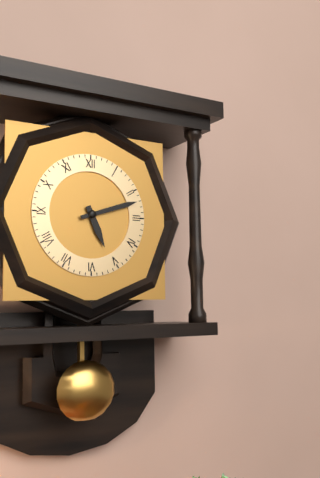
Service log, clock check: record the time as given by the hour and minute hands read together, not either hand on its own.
5:12
